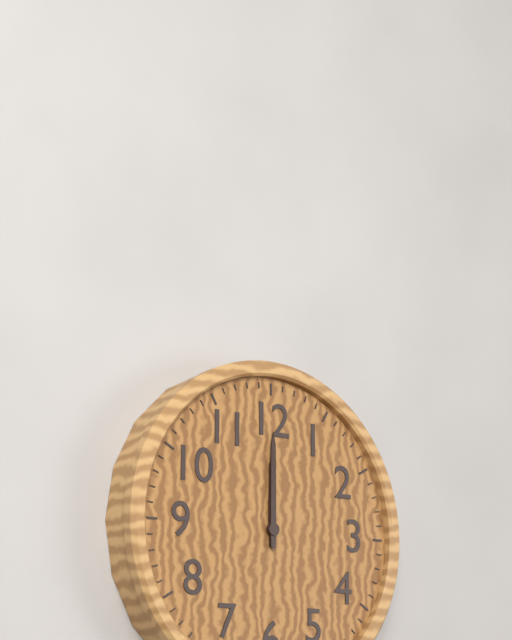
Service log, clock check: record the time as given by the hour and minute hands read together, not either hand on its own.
12:00
